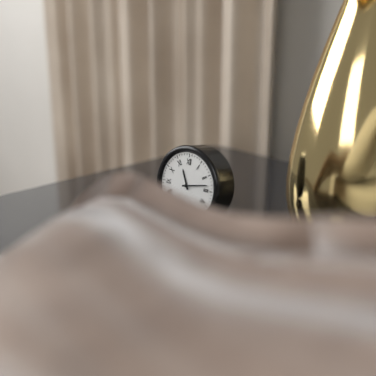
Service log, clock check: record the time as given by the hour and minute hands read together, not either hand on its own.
11:13
